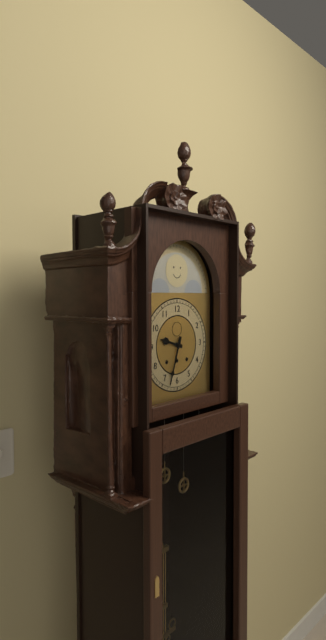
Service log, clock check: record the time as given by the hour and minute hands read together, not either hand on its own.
9:33
